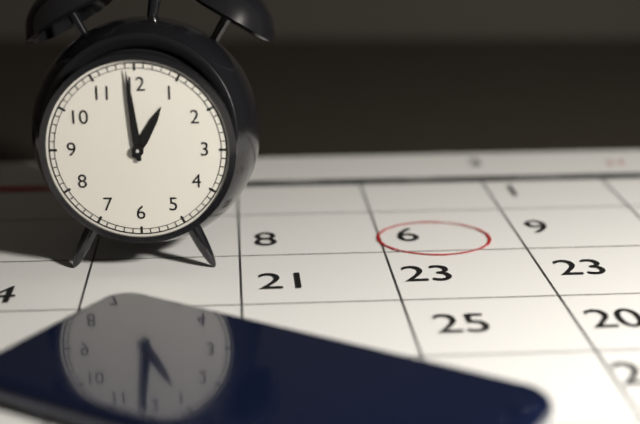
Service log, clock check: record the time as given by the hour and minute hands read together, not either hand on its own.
12:59
